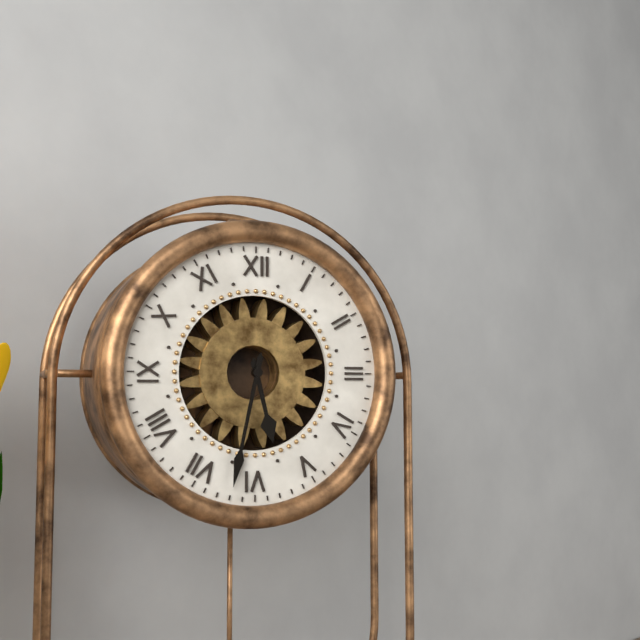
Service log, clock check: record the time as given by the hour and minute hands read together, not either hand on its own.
5:32
